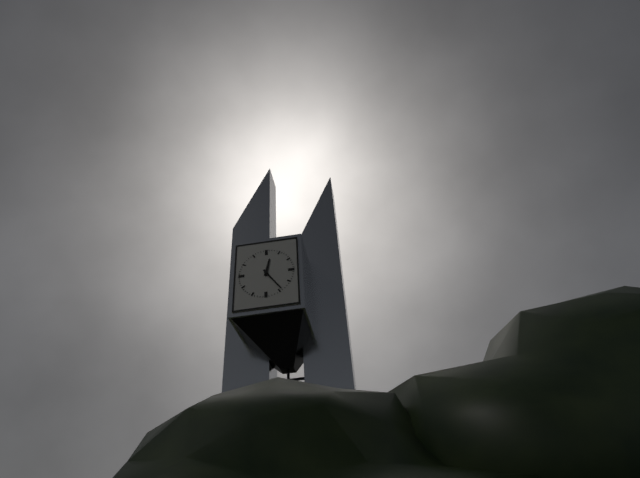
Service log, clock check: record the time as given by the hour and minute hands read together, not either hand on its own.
12:24
